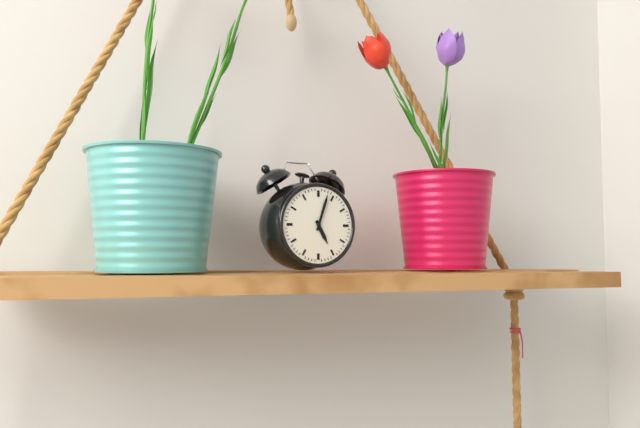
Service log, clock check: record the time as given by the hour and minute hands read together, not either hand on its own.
5:03
